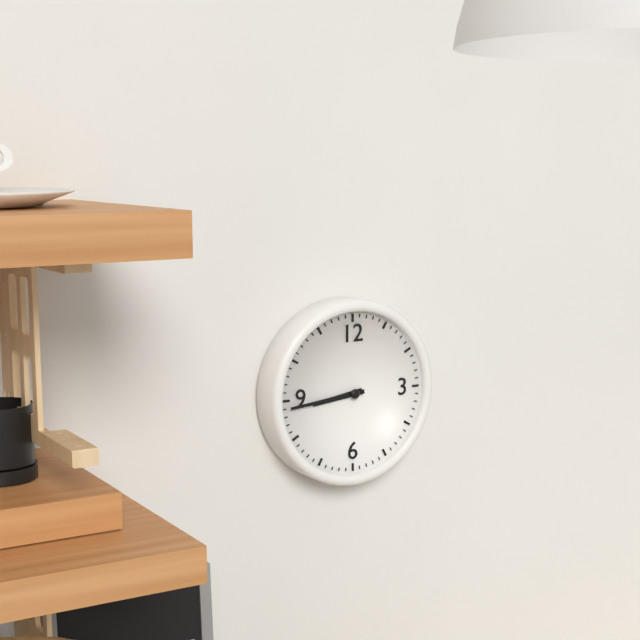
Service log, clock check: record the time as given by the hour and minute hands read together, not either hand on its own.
8:44
